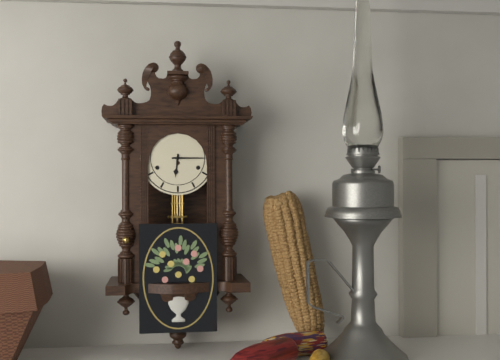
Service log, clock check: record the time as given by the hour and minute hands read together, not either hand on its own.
6:15
